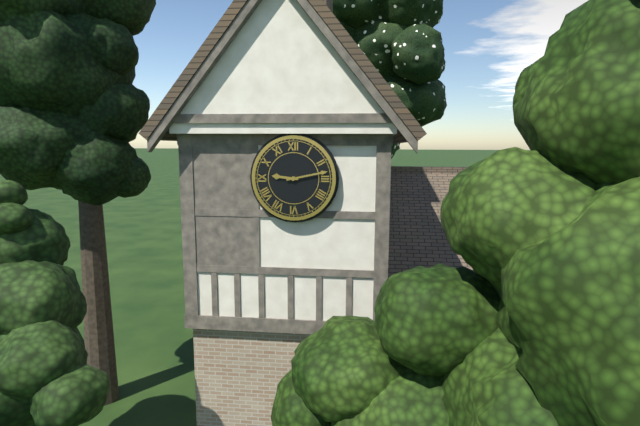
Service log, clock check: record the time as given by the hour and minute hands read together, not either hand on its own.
9:13
